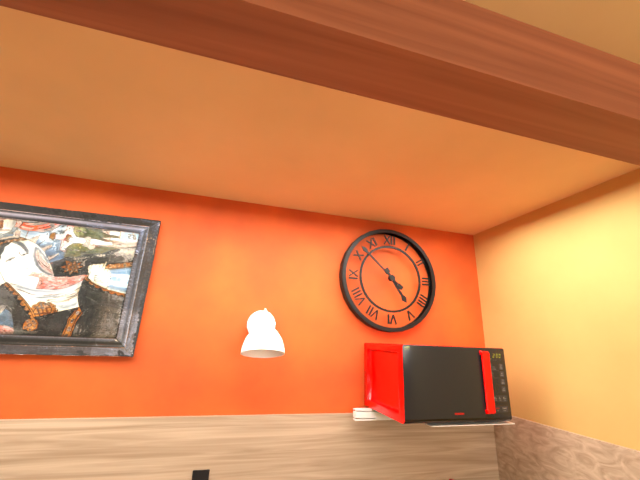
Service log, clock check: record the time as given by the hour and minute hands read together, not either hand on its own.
4:52
